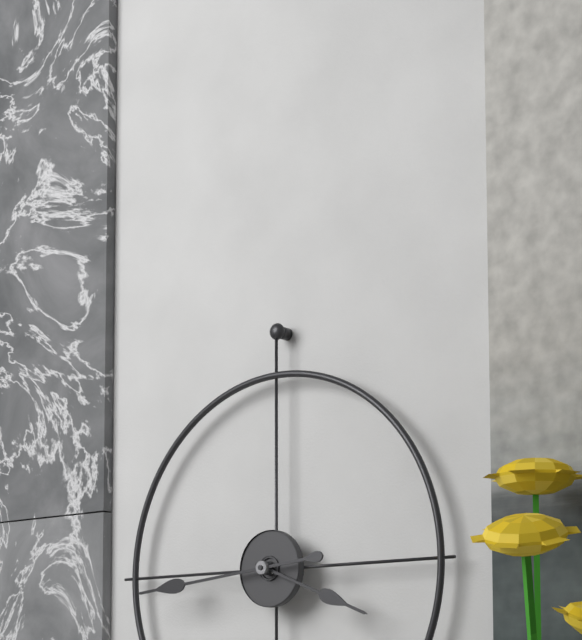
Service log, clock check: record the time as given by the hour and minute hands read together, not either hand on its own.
3:44
